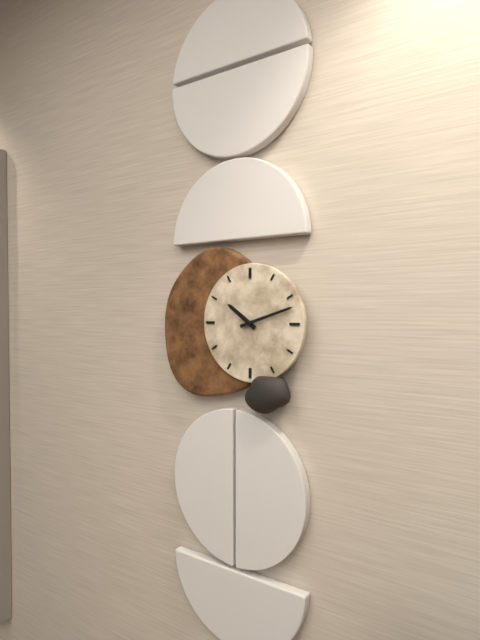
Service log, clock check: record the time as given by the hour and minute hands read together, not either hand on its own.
10:12
